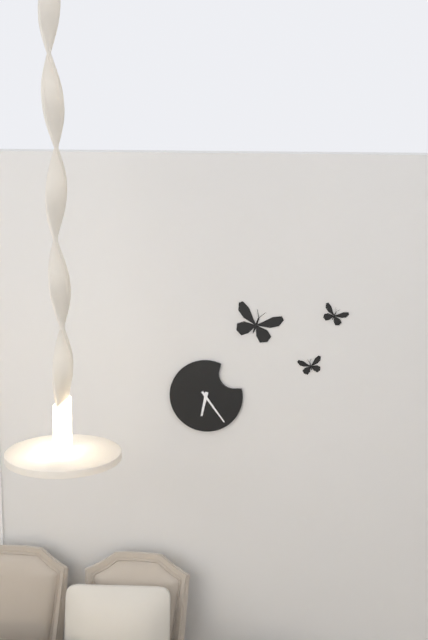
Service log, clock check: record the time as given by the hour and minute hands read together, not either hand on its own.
6:24
